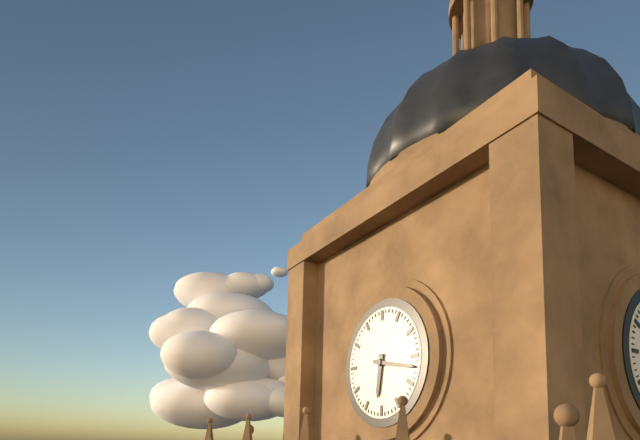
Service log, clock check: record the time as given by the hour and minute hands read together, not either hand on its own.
6:17
